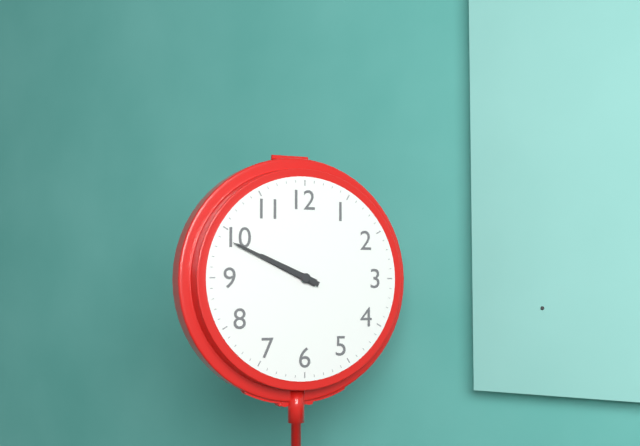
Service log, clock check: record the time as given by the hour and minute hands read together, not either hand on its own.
9:49
